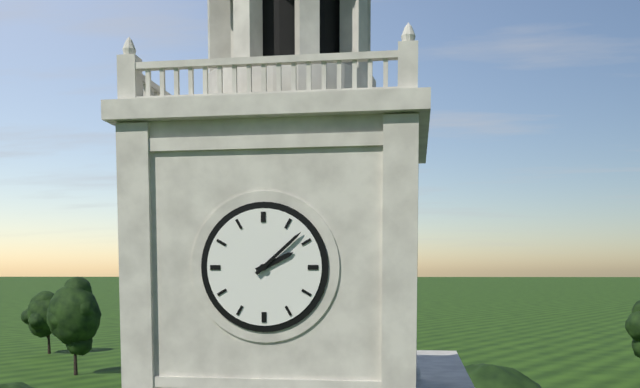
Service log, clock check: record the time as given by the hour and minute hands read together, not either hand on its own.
2:08
